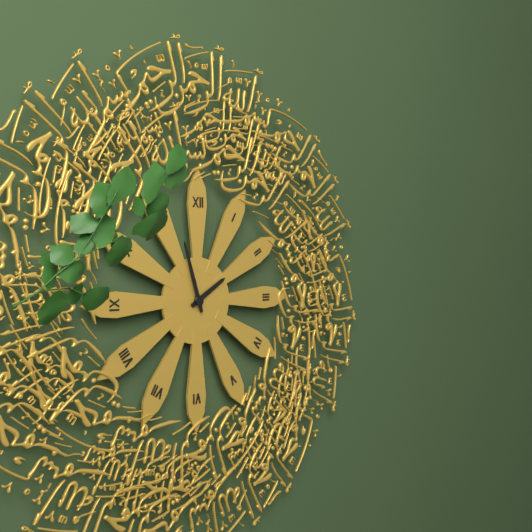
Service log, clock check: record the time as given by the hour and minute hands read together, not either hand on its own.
1:57
